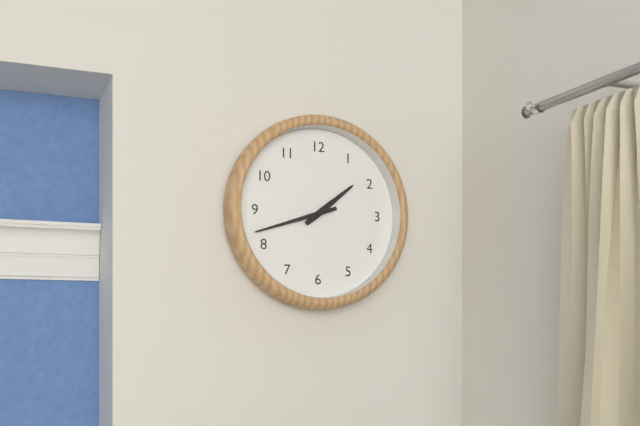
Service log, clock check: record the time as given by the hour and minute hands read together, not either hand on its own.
1:42
